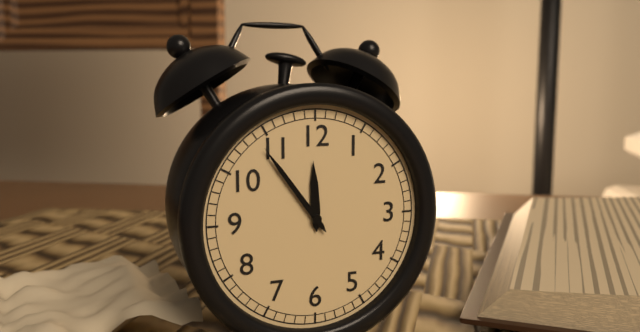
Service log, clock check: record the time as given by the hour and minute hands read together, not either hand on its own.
11:54
